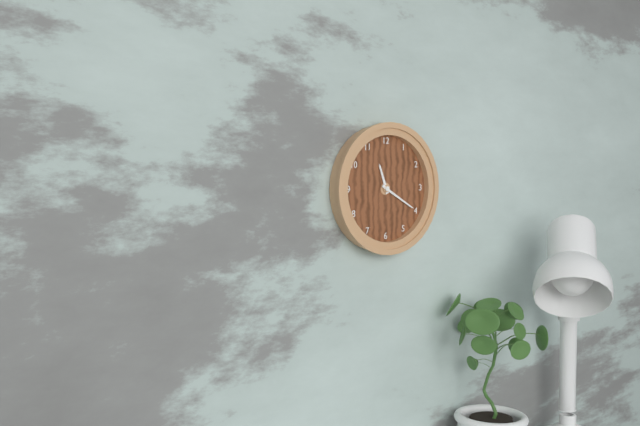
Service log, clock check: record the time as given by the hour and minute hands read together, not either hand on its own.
11:20
